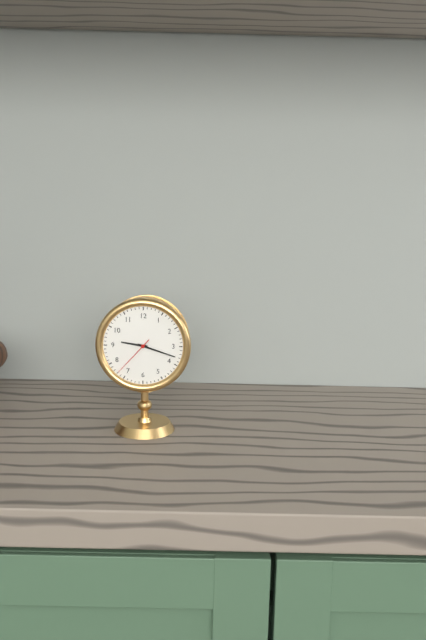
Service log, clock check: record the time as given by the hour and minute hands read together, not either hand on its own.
9:18
